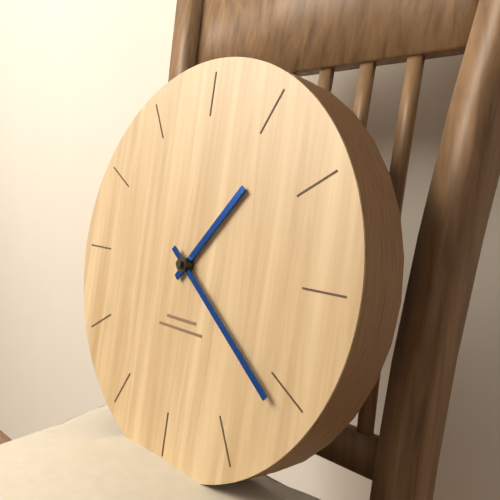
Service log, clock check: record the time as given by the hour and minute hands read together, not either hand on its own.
1:21
